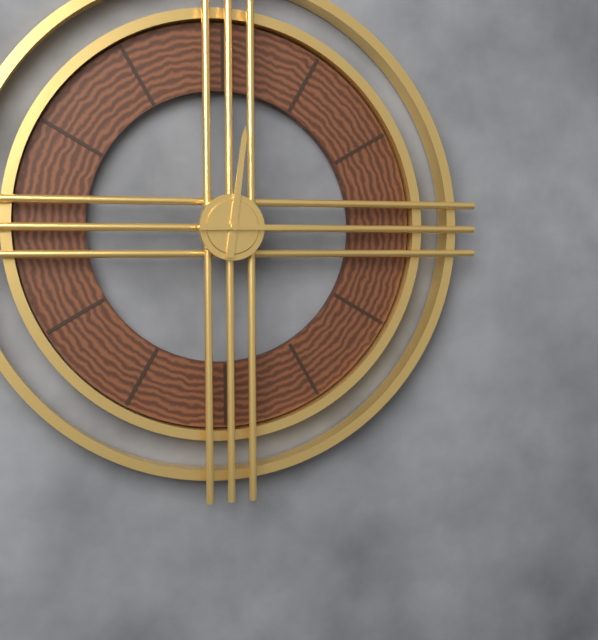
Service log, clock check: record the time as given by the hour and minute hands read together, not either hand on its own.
12:15
